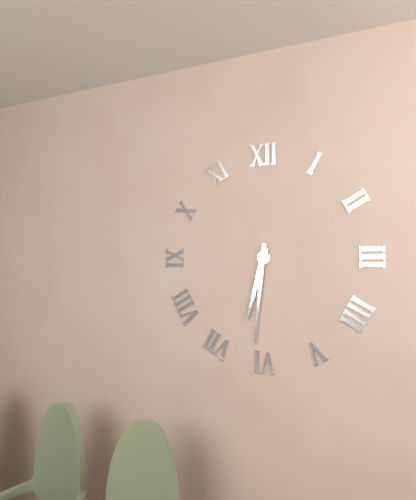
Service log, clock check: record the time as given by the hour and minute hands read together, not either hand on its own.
6:31
